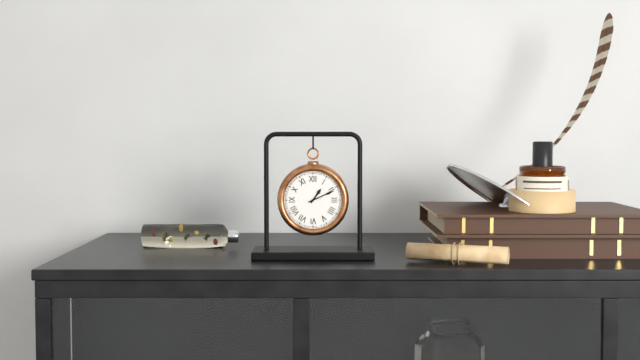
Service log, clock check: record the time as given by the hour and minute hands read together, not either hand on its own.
1:11
